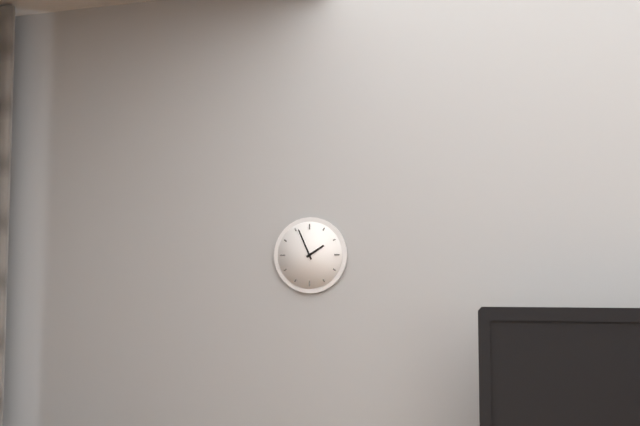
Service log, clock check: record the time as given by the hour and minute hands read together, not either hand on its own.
1:56
